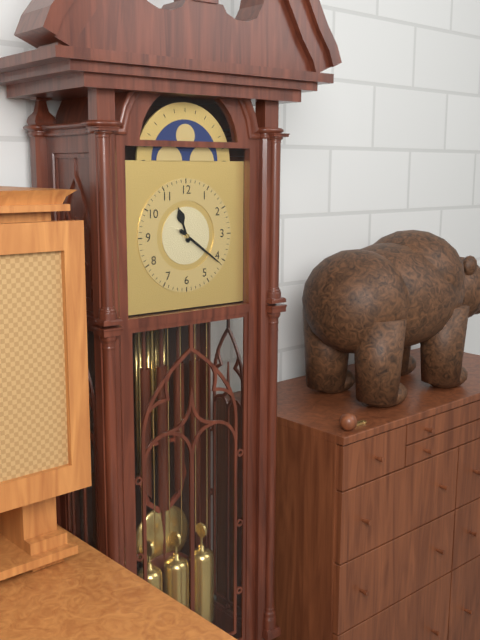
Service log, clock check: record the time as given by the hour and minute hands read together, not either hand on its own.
11:21
